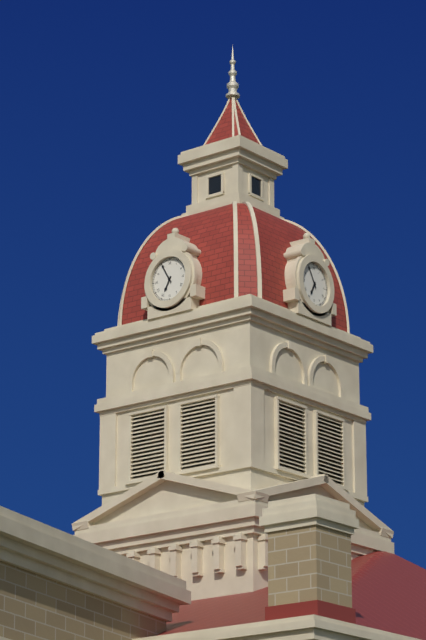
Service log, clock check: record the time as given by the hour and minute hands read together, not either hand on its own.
6:55
